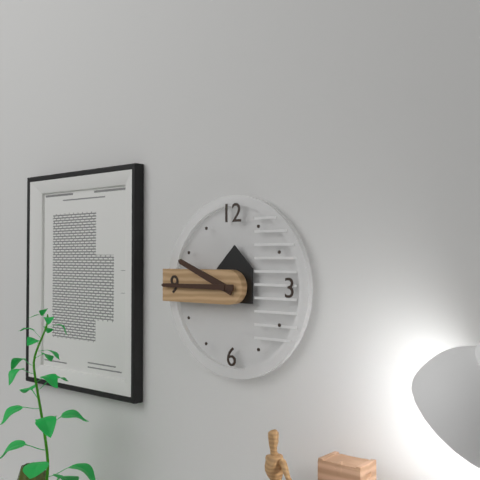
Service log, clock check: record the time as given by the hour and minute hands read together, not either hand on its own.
9:45
